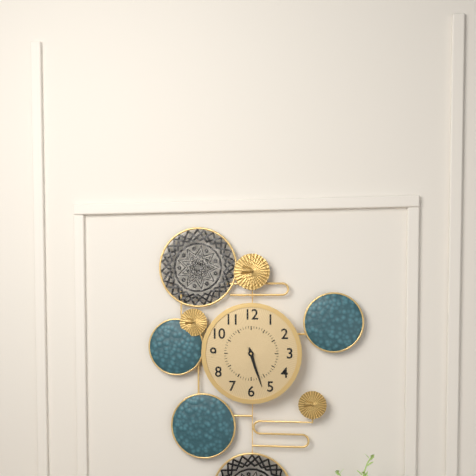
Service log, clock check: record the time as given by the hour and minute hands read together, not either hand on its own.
5:27
